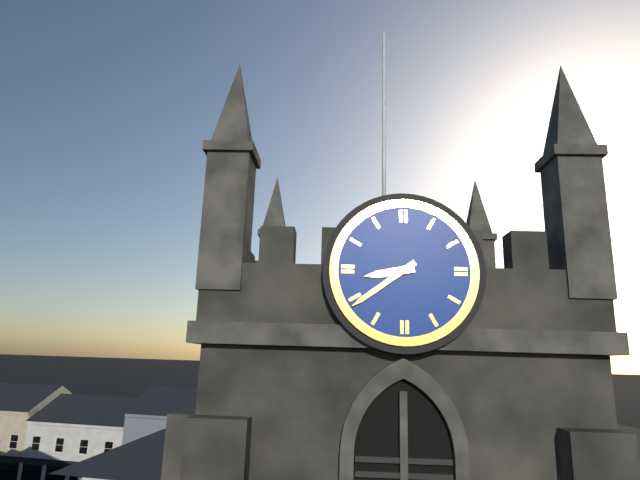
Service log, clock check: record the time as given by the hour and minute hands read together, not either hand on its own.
8:39
